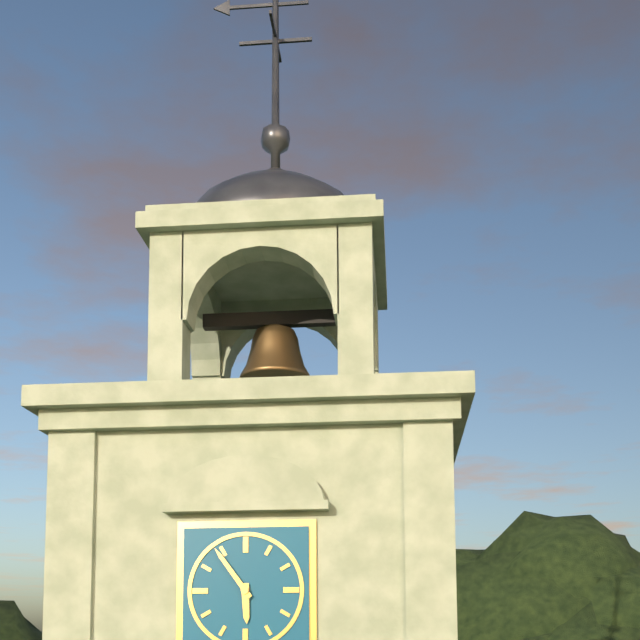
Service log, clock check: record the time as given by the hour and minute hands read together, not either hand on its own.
5:54
